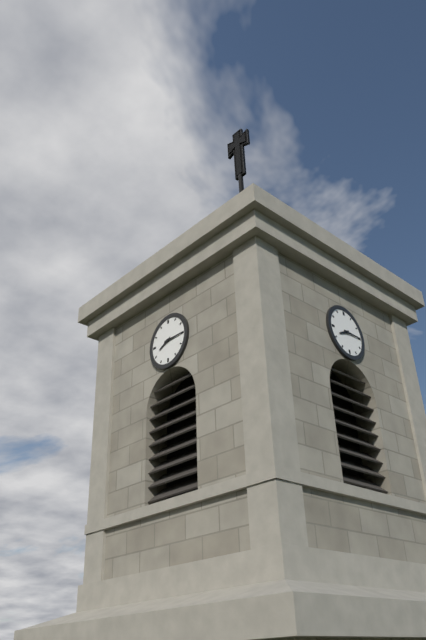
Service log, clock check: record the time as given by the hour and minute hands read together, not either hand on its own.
8:15
